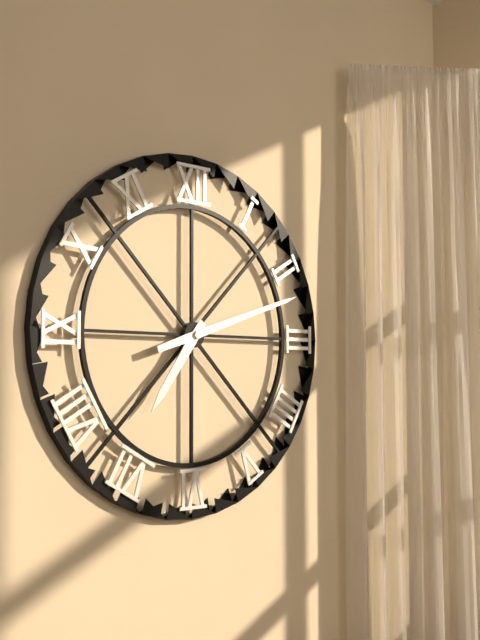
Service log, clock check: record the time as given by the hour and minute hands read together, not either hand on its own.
7:12
